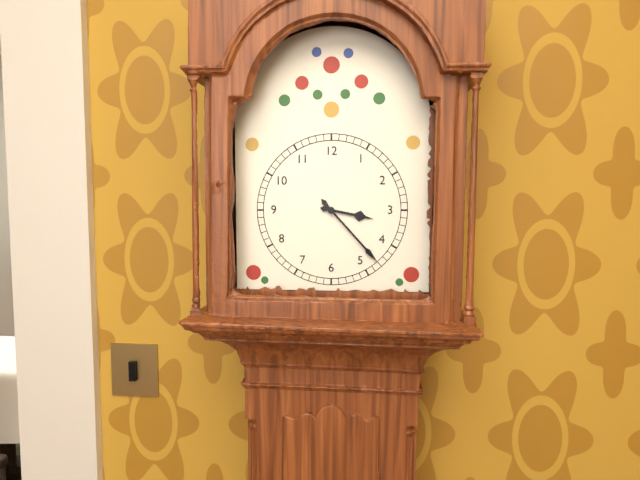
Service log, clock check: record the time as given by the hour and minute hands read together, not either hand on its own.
3:23
